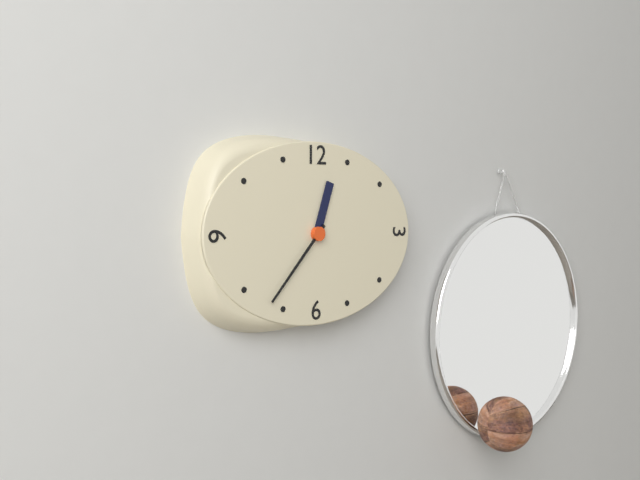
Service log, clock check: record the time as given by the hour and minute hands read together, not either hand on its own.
12:37
